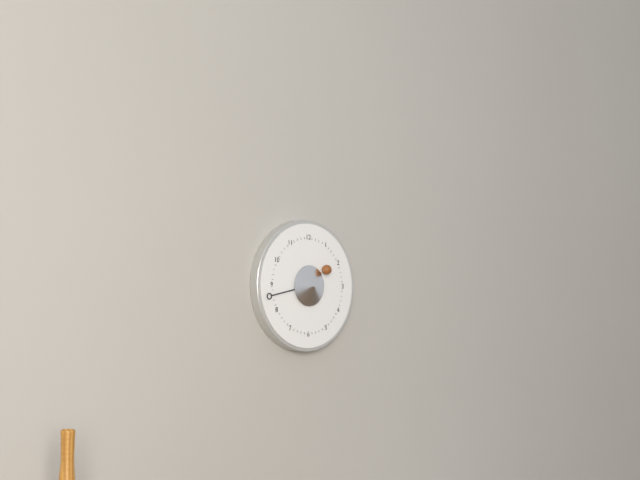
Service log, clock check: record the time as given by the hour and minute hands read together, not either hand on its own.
1:43
